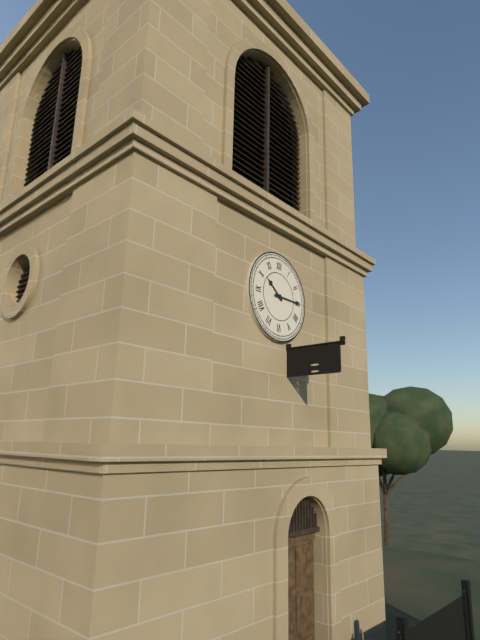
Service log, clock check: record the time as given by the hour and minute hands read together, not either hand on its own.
10:15
